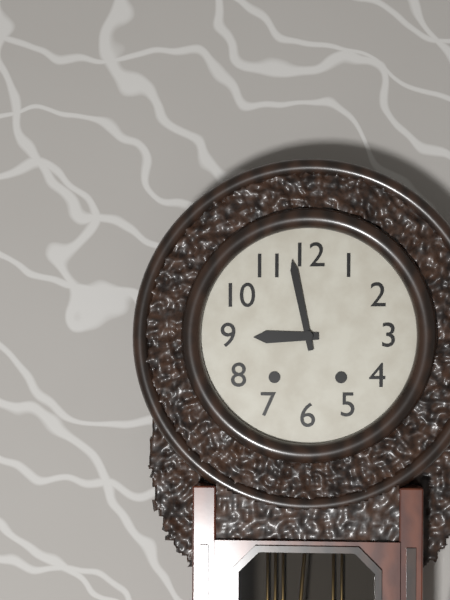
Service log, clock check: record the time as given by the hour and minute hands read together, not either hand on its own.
8:58
